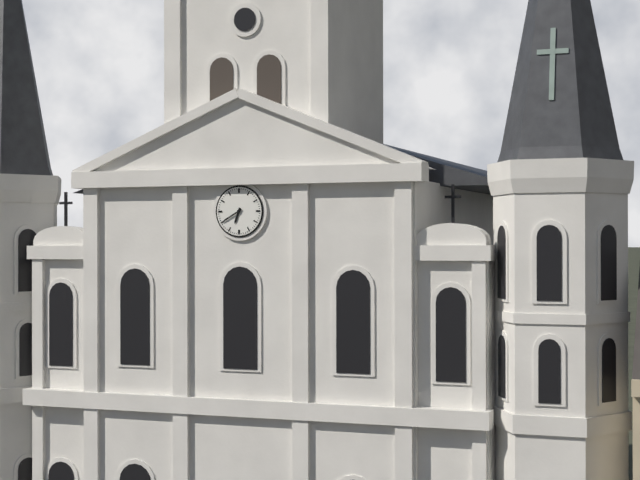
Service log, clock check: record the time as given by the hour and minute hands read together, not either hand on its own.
6:40
